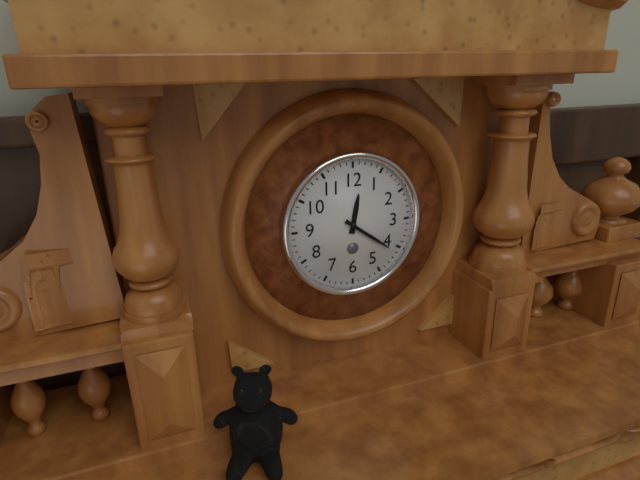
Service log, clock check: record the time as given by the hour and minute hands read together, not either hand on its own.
12:21
